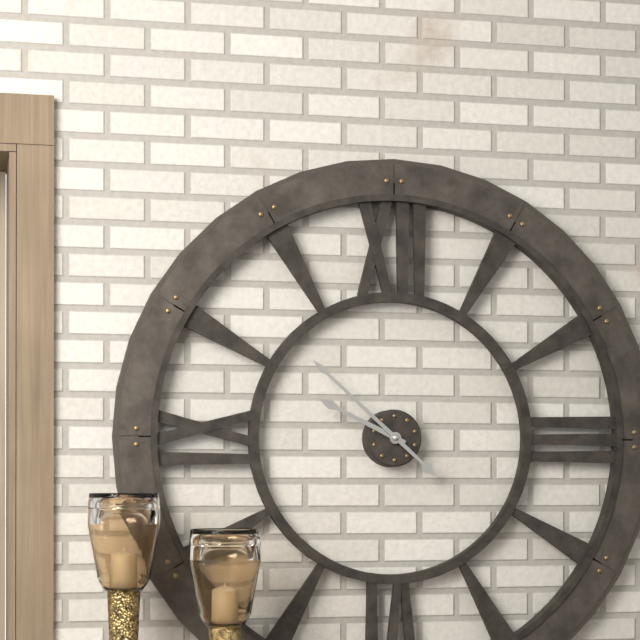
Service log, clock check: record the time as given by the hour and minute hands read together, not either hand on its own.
9:52
